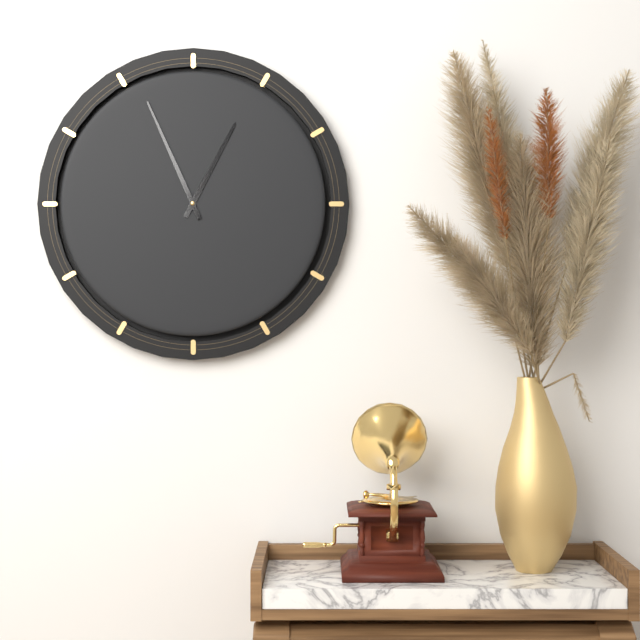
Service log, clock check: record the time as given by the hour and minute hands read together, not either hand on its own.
12:56
